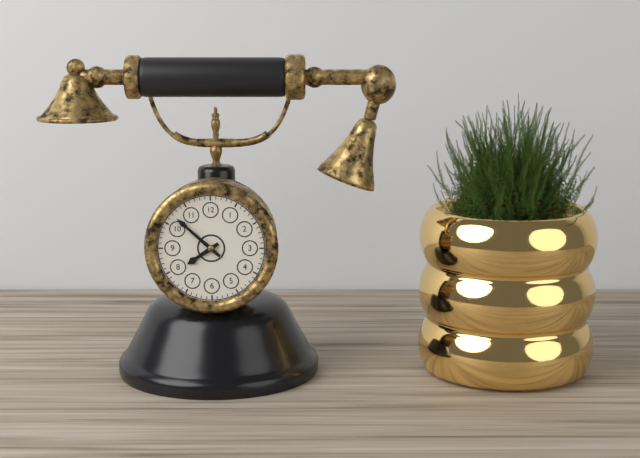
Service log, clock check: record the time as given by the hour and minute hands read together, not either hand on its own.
7:52
